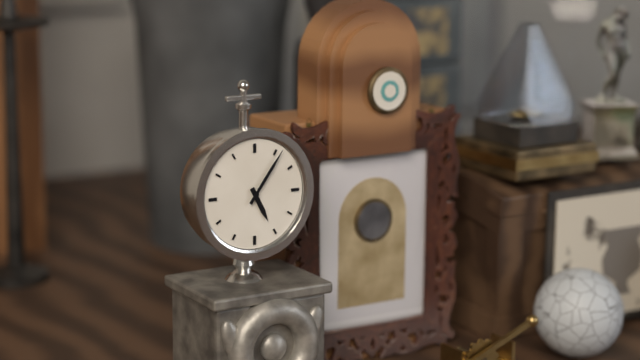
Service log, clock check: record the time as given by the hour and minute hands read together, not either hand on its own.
5:06
